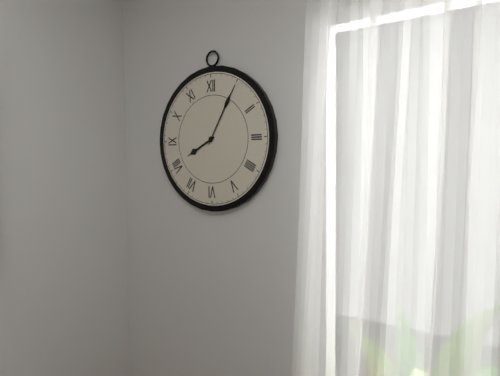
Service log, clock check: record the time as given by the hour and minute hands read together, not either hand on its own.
8:05
